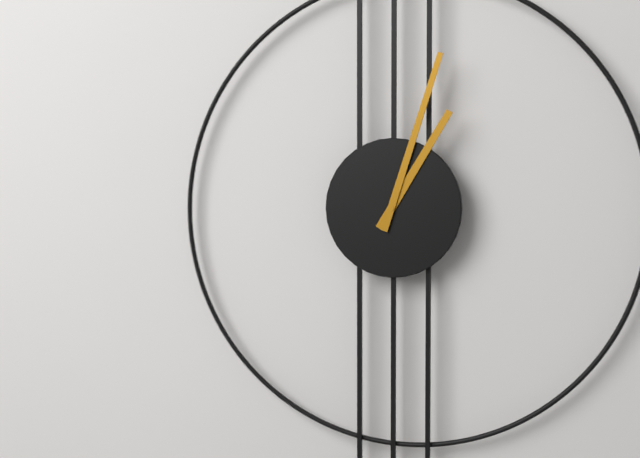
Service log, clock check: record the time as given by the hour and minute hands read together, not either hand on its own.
1:03
